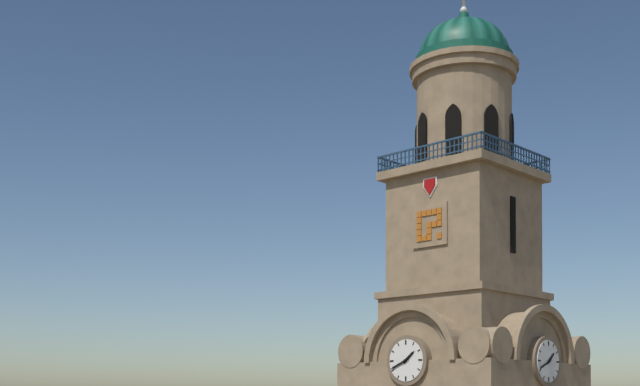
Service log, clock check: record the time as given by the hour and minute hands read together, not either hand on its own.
1:41
